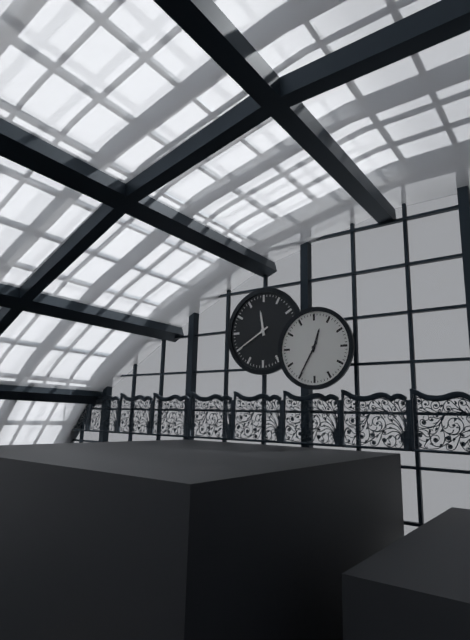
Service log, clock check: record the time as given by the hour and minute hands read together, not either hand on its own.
12:35
